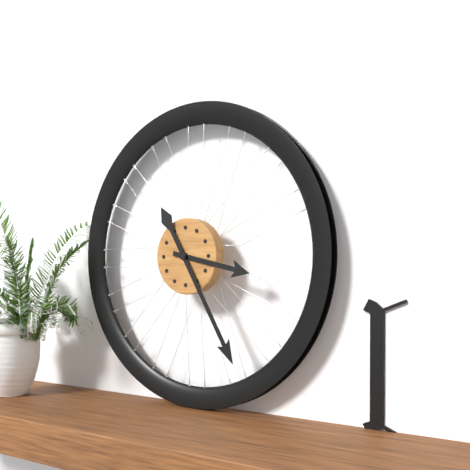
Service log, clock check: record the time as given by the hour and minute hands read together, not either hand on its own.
3:25
